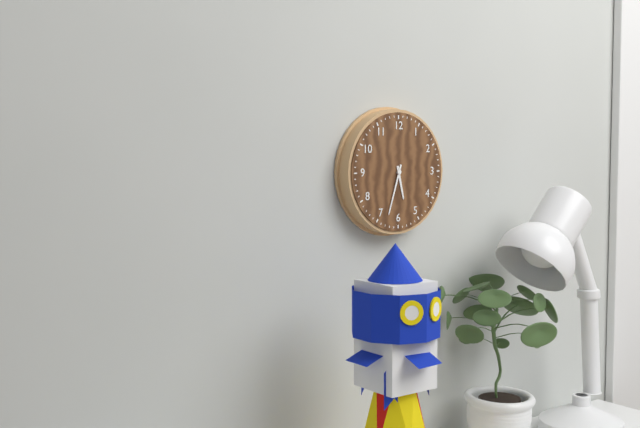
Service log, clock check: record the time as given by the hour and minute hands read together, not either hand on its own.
5:33
